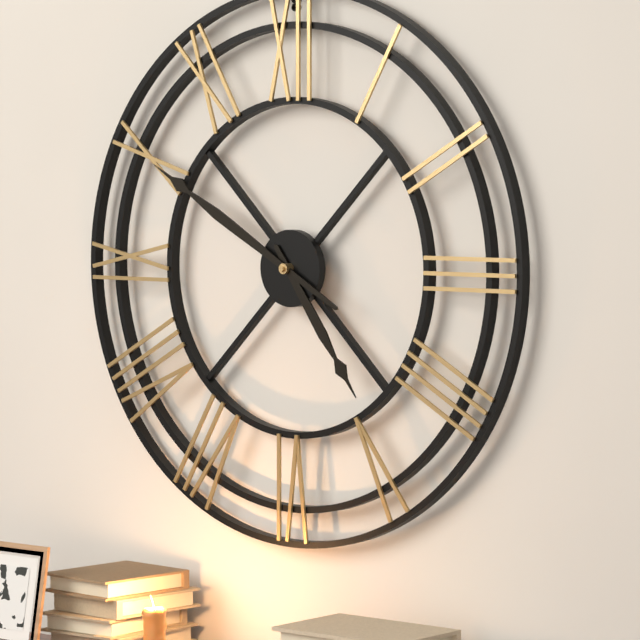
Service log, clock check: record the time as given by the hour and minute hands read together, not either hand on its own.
4:50
